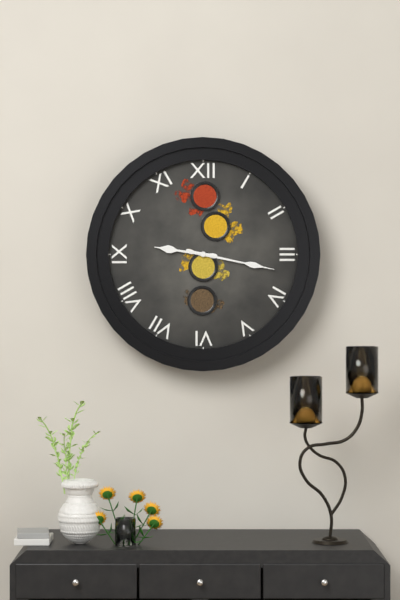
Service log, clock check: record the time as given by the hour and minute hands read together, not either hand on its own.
9:17
